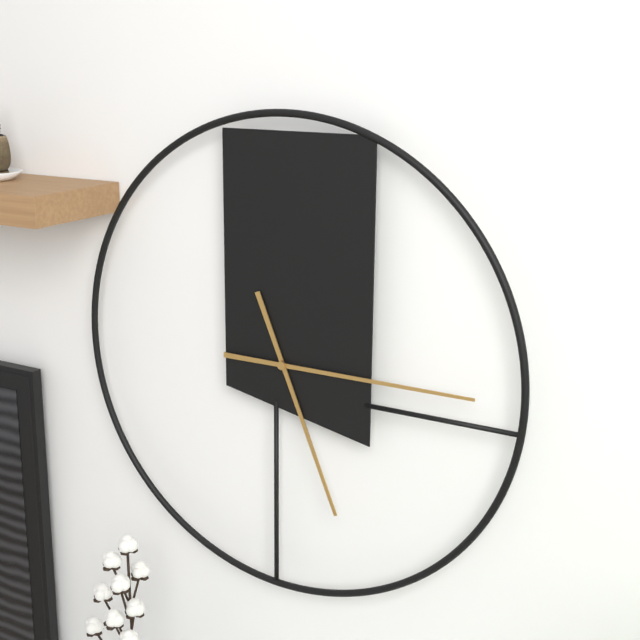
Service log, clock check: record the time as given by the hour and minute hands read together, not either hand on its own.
5:15
